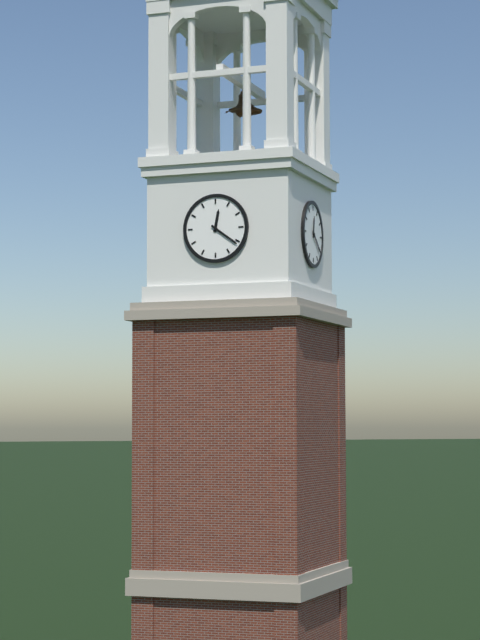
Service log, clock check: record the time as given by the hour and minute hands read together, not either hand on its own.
12:21
